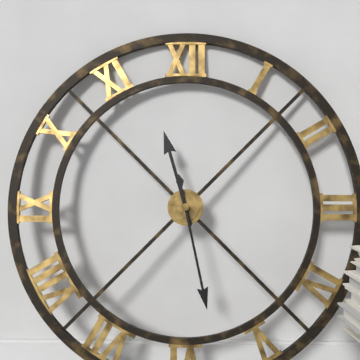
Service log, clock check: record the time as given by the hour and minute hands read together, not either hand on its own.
11:28
